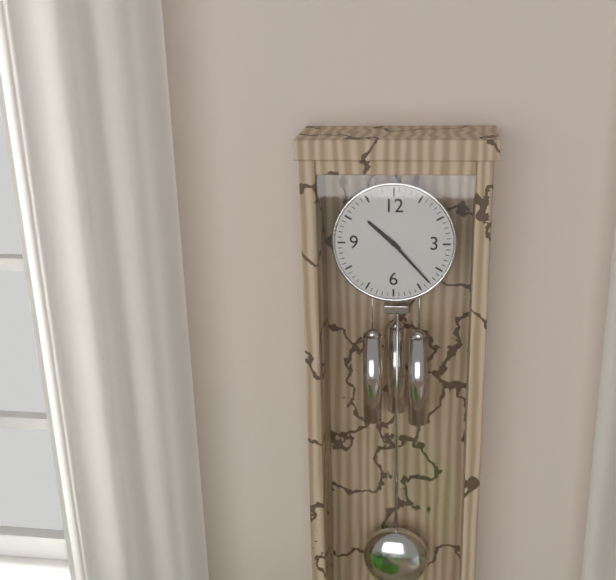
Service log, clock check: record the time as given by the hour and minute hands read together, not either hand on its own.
10:23
